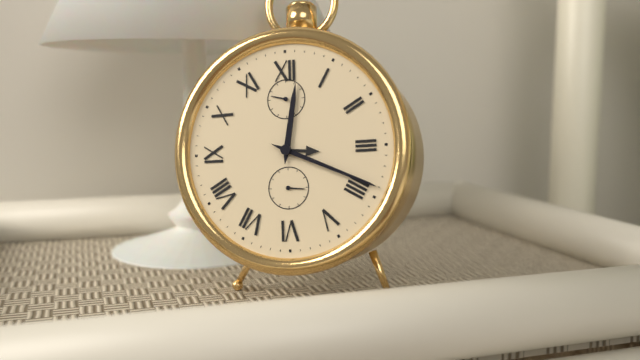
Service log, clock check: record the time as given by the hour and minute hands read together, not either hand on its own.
12:19
